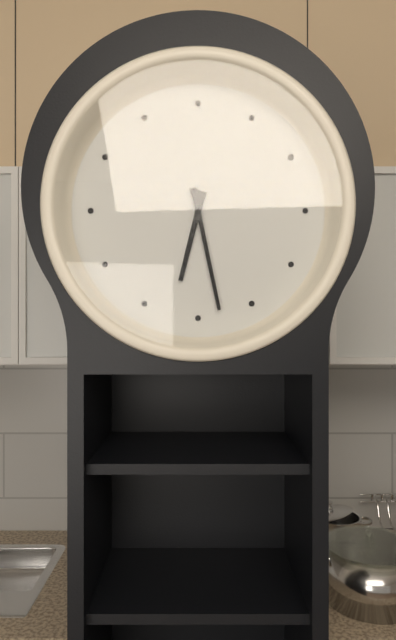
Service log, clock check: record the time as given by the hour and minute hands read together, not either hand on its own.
6:28
